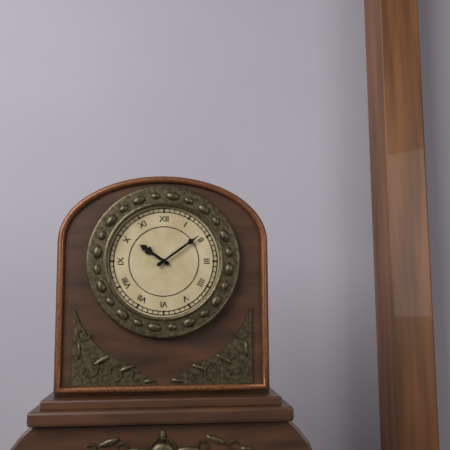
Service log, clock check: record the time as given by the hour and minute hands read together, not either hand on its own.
10:09
